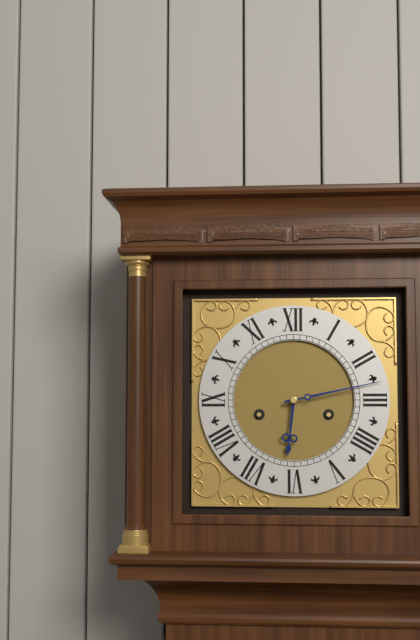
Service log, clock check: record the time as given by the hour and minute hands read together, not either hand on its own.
6:13
